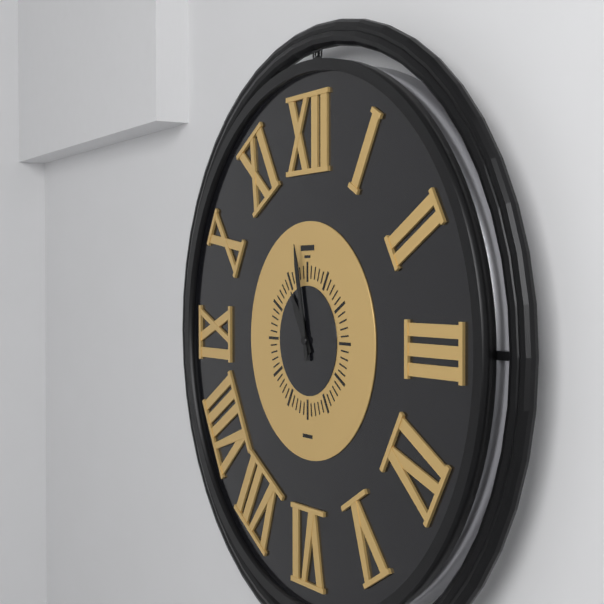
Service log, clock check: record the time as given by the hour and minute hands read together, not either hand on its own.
10:58
